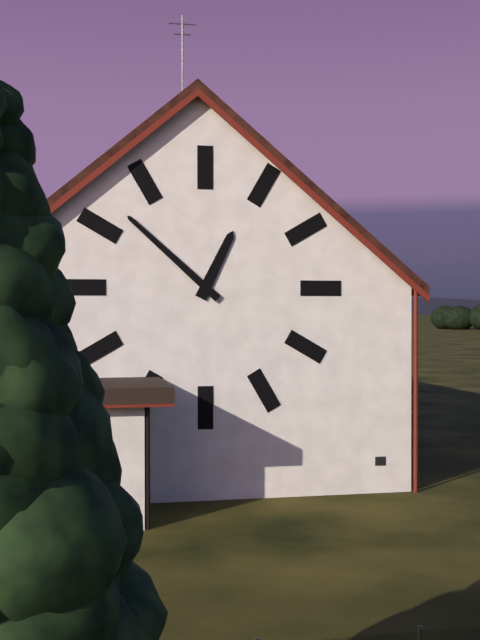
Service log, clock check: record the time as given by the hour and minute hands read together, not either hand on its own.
12:52
